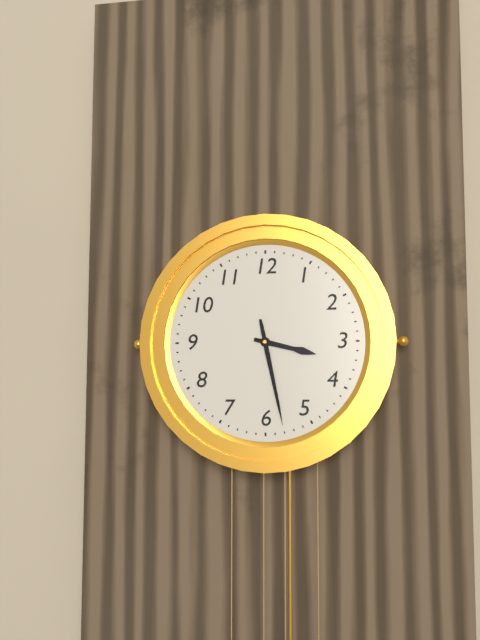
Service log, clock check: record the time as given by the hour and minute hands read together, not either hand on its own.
3:28
